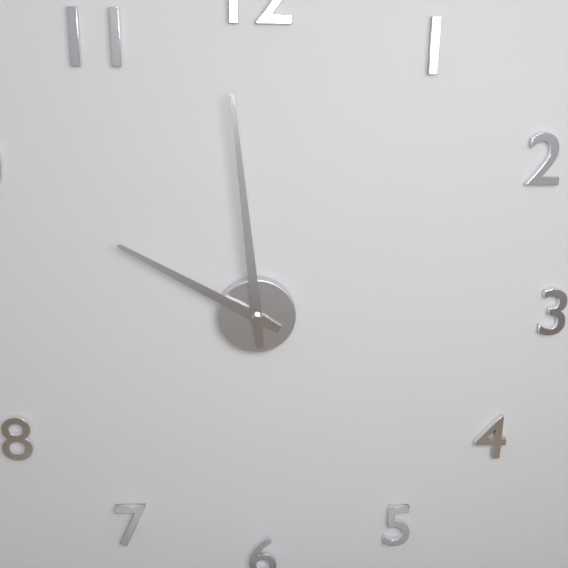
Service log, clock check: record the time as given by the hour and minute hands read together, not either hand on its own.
9:59
